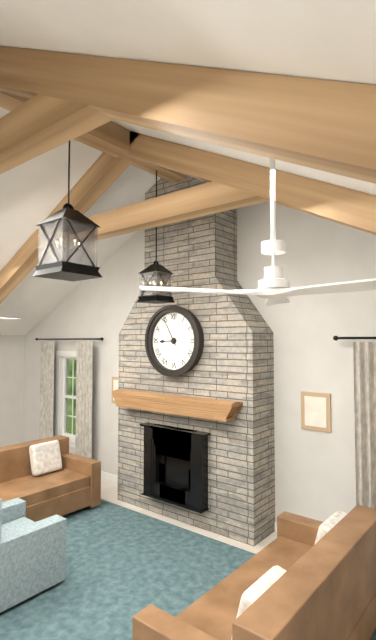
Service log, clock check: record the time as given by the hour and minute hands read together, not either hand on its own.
8:55
